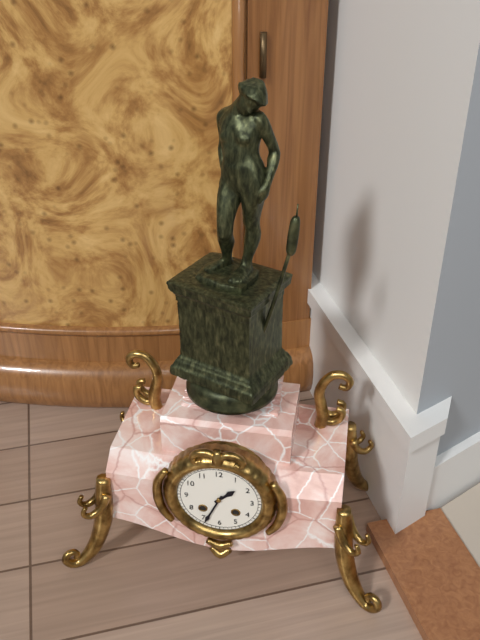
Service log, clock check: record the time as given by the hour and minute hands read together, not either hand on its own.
1:34
